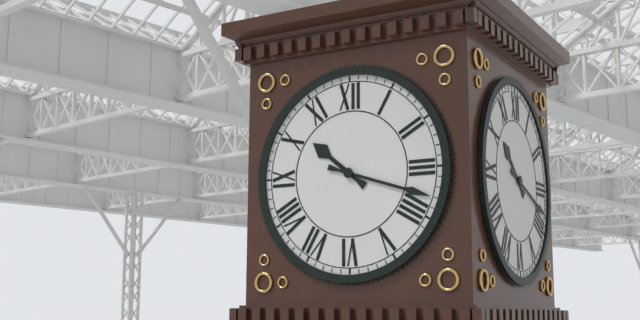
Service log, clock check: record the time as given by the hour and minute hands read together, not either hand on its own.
10:18
